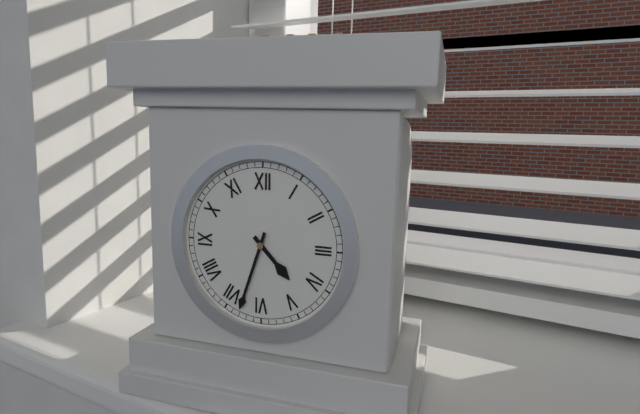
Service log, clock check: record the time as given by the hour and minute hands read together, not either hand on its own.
4:33
